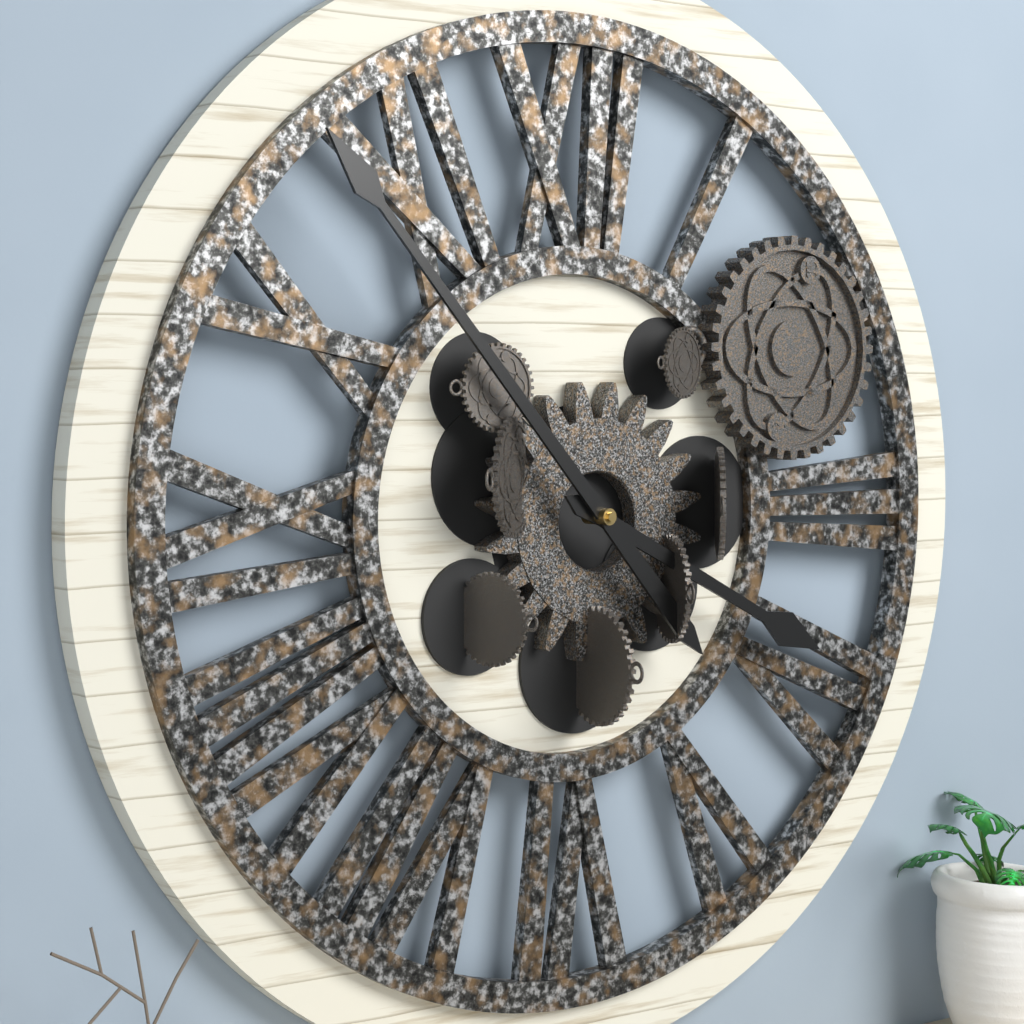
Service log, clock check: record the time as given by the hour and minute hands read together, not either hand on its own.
3:53
